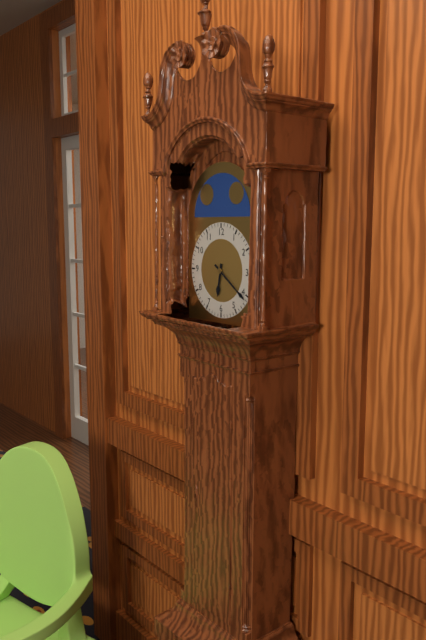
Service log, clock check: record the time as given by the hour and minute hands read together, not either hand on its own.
6:21
